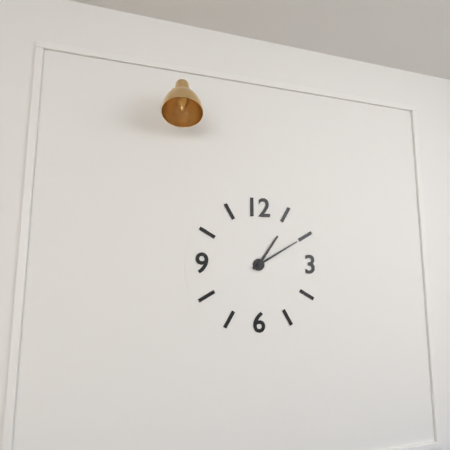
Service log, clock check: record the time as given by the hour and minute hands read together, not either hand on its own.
1:10
